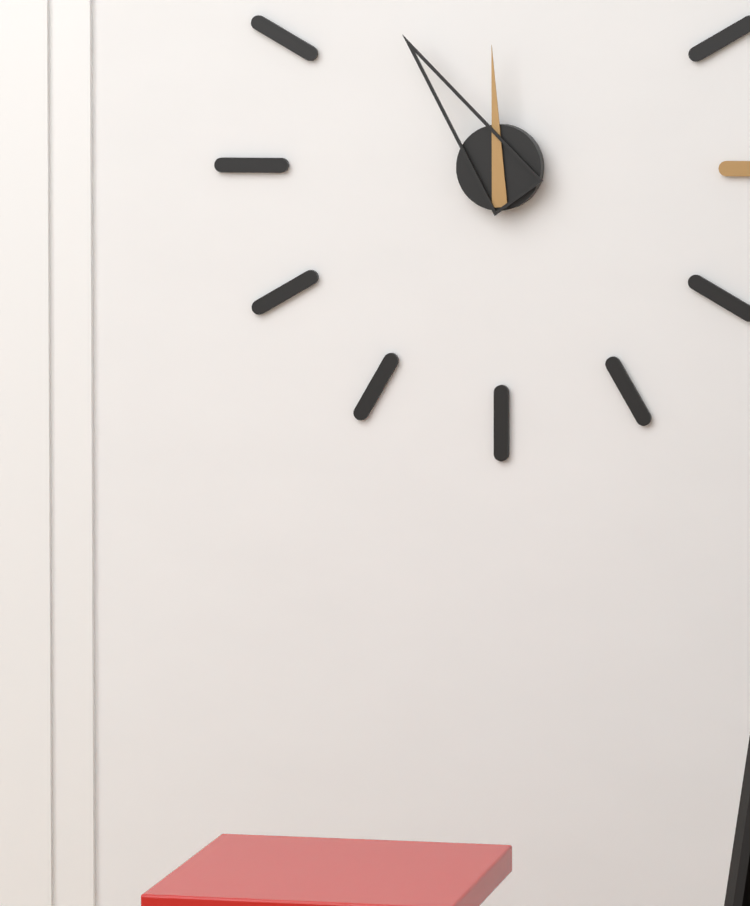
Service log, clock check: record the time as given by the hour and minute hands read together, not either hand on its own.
11:54
